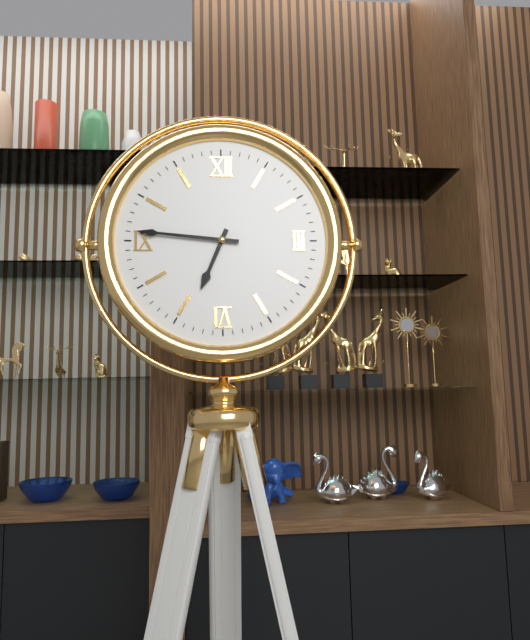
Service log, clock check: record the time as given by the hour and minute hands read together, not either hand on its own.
6:46
